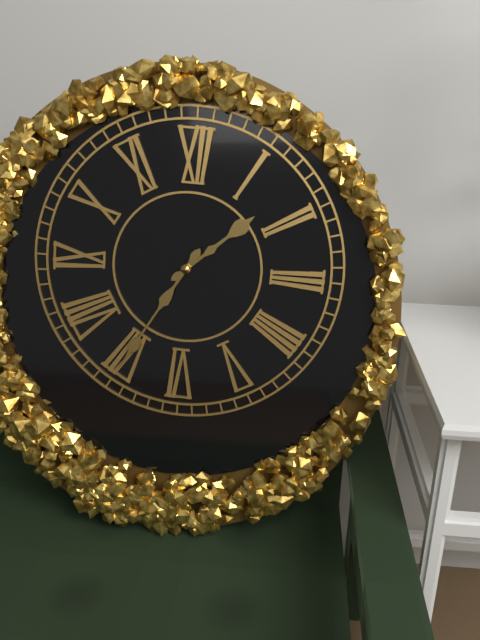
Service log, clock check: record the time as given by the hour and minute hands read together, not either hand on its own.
1:35
